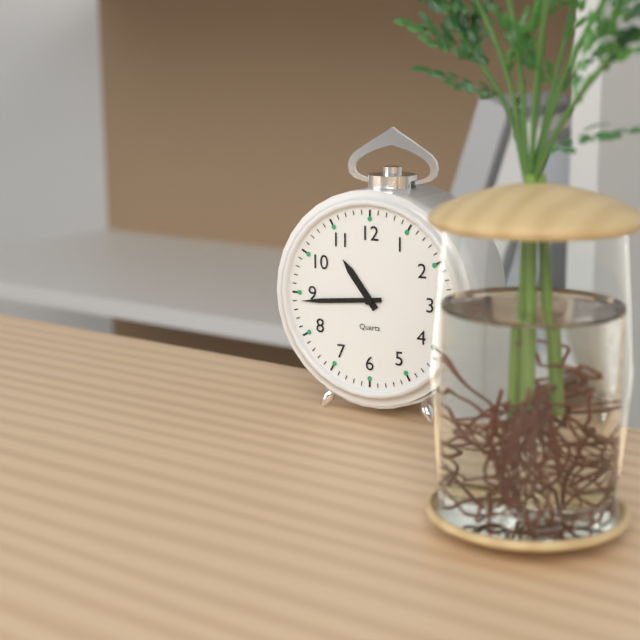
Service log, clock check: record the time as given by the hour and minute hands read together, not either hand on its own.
10:44
